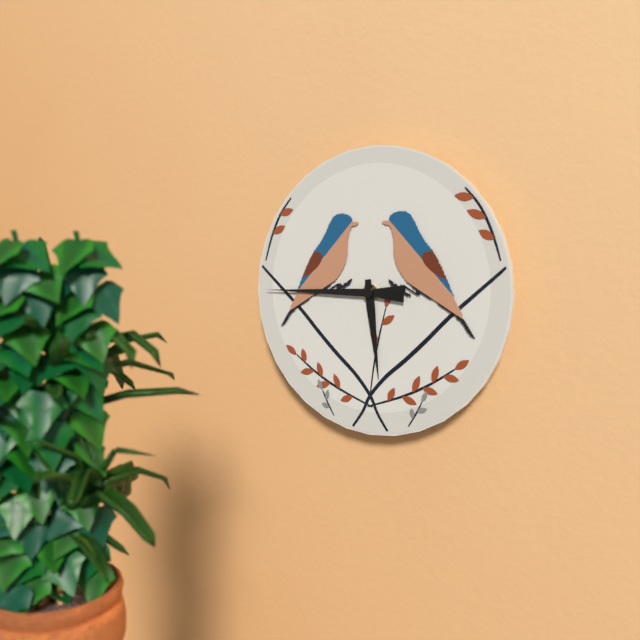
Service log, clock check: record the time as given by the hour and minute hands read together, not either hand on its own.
5:45
